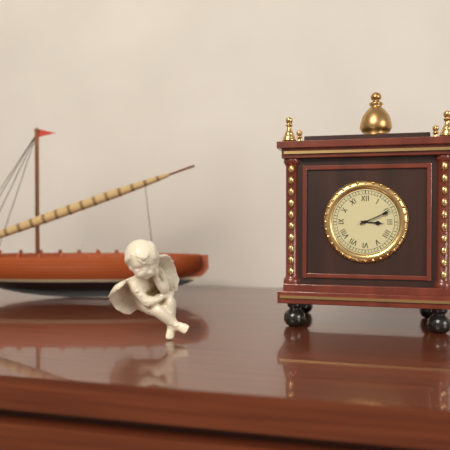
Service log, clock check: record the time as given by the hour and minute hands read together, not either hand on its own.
3:11
